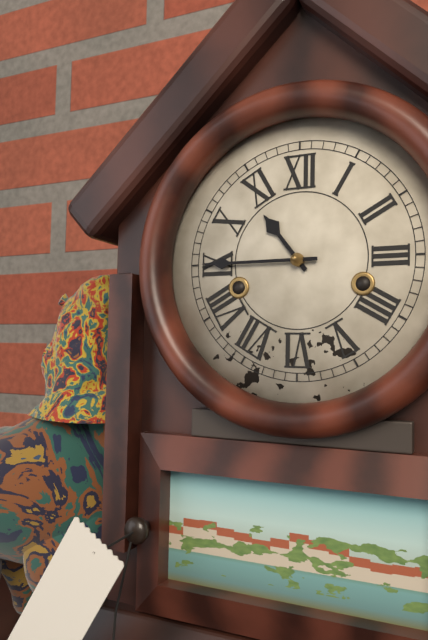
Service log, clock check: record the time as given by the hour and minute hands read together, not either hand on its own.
10:45
